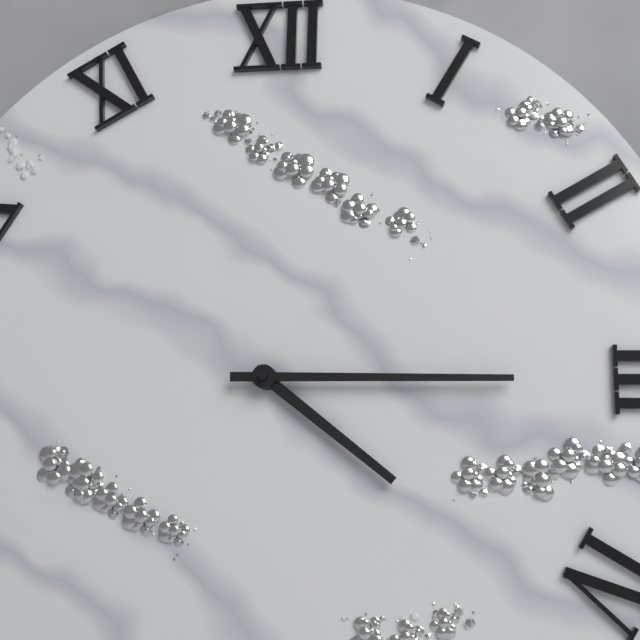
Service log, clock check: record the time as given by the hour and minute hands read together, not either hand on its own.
4:15
